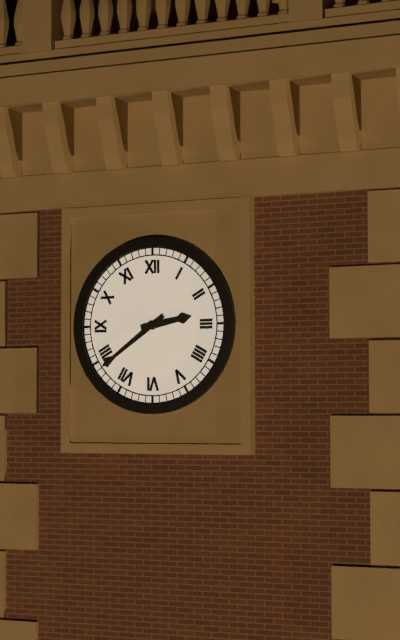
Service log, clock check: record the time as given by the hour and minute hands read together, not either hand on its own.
2:39
